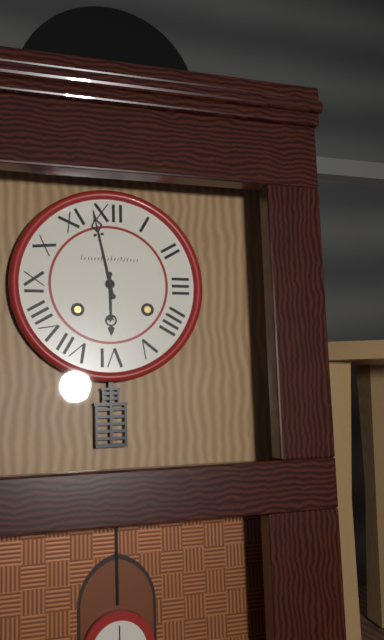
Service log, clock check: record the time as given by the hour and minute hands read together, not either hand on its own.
5:58
